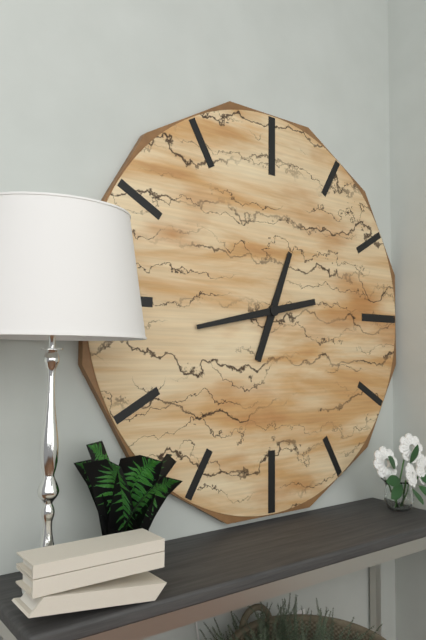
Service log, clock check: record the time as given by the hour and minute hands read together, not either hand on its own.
12:43
